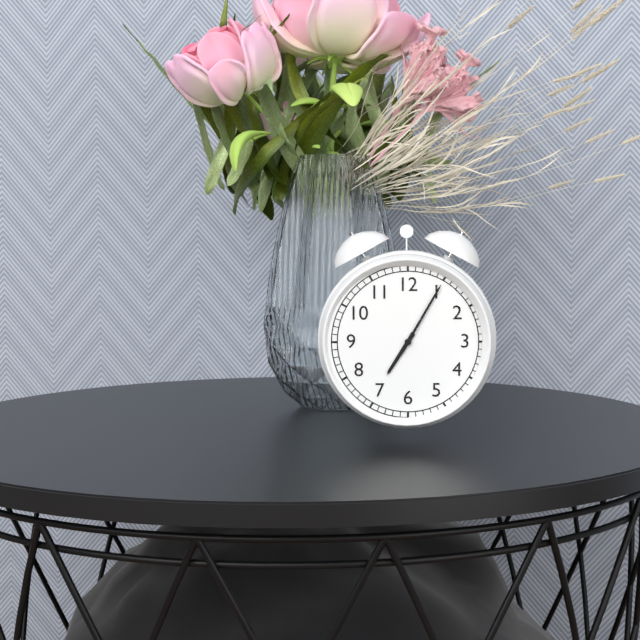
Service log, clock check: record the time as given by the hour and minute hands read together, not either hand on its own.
7:05
